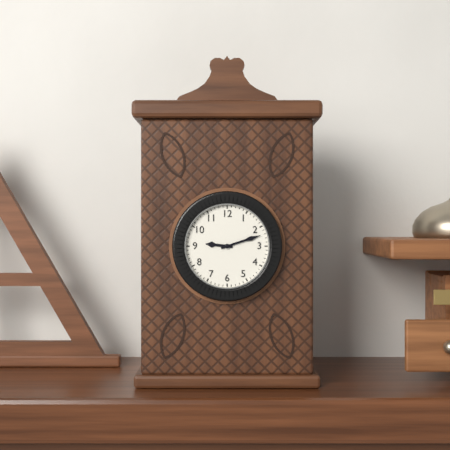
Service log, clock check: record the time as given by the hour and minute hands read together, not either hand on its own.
9:12
